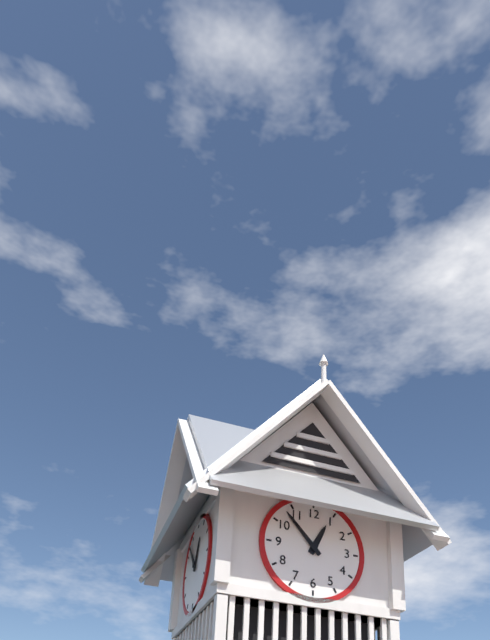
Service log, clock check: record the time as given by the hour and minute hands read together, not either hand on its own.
12:53
